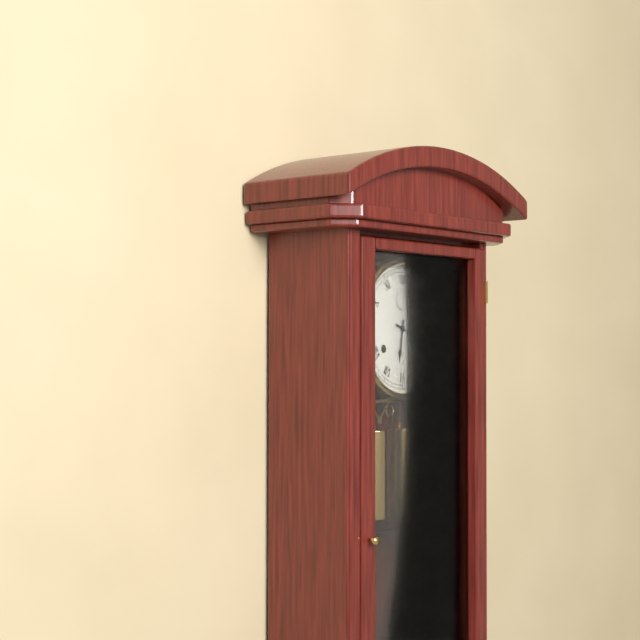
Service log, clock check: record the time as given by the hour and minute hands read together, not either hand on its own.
6:18
